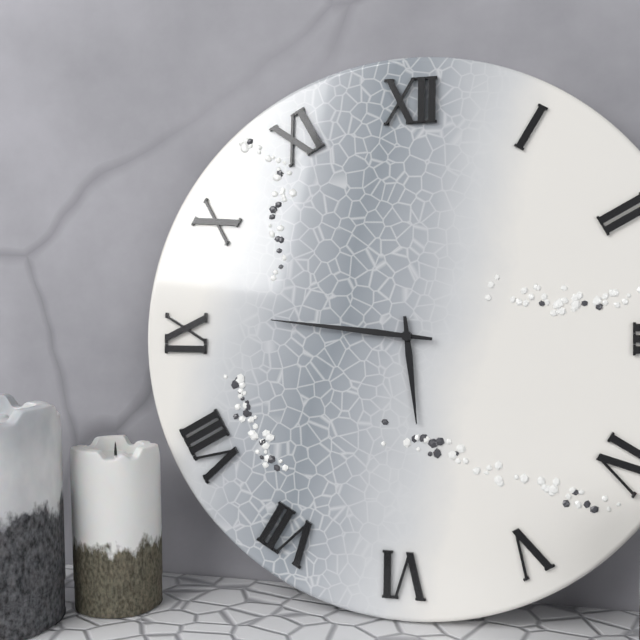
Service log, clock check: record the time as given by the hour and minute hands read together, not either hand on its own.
5:46
